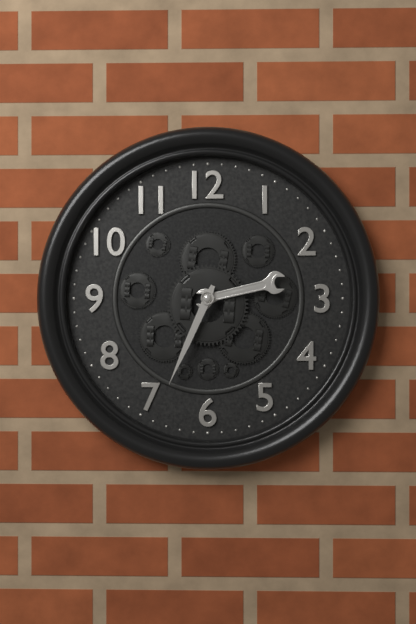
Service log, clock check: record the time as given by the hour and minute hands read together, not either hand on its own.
2:34
